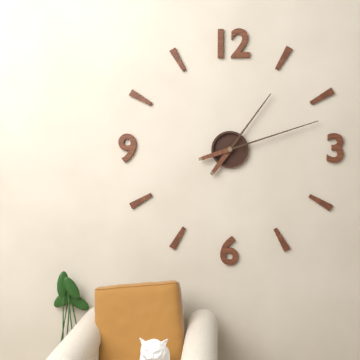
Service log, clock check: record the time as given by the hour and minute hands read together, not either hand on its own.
1:12
